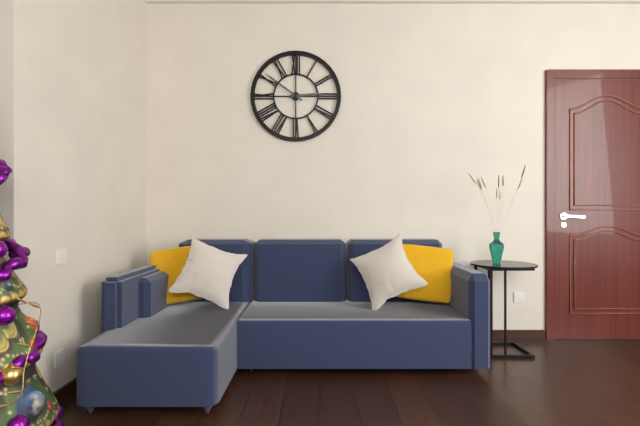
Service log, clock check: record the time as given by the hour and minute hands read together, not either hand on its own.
2:51
